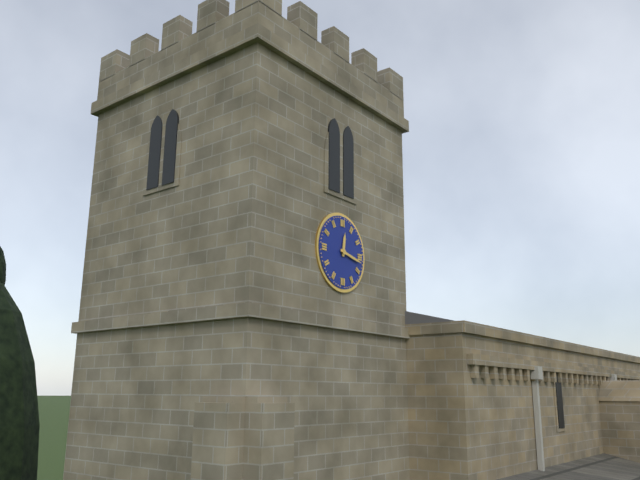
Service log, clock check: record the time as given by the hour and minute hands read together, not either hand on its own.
12:17
